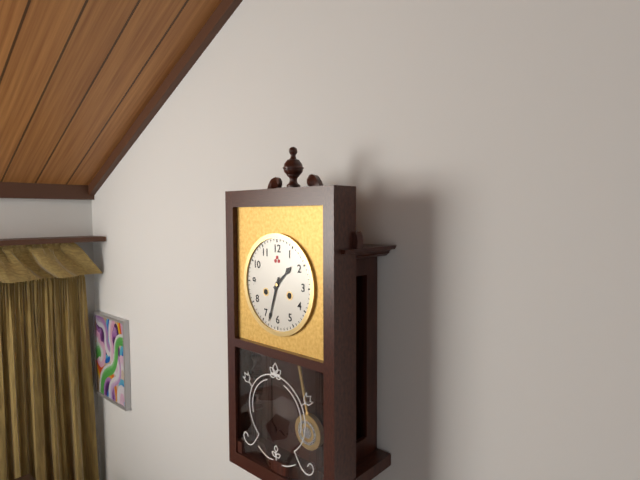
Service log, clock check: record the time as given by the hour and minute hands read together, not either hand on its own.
1:33
